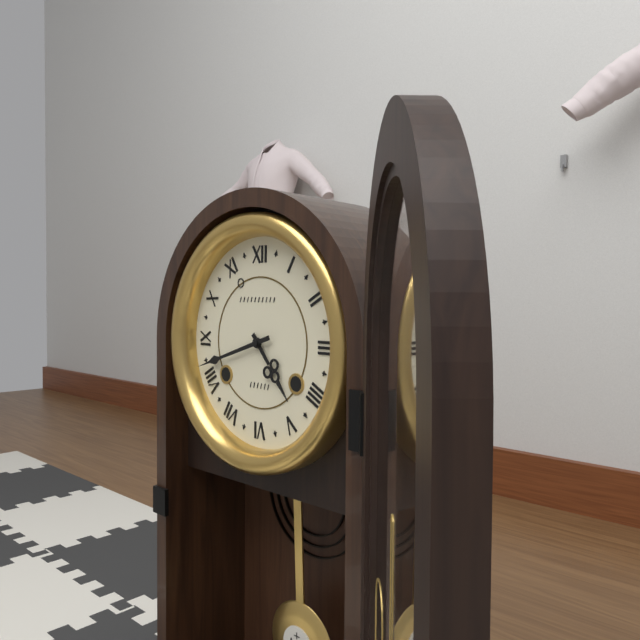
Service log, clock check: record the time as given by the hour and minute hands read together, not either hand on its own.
4:42
